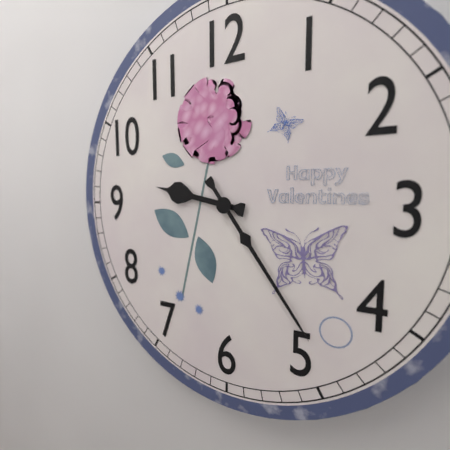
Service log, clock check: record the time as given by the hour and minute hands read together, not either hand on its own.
9:24
